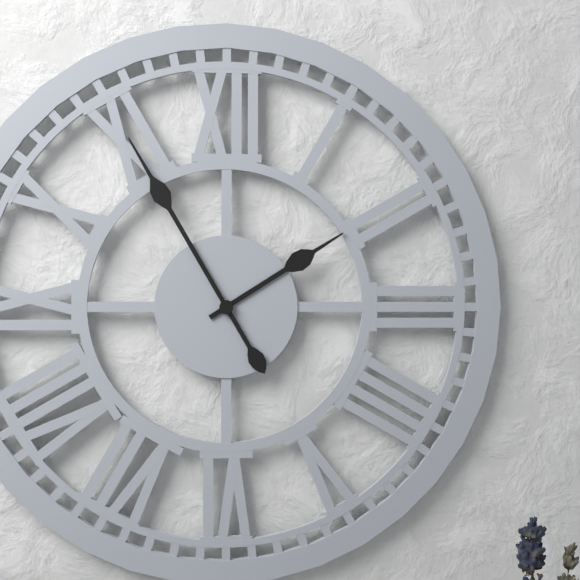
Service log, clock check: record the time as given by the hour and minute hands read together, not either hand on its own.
1:55
